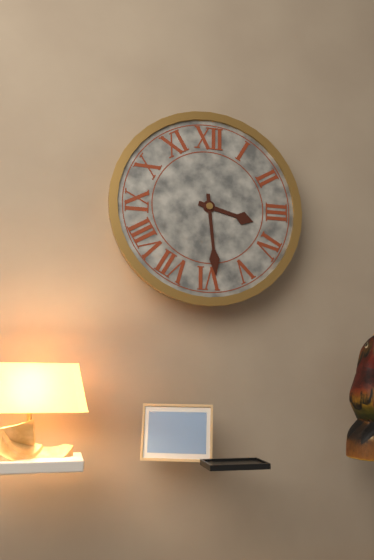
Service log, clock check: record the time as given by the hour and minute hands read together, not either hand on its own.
3:29
